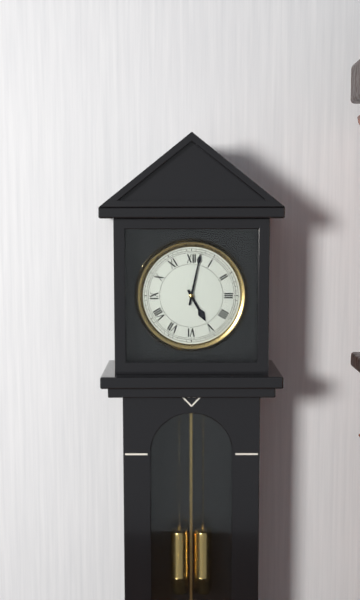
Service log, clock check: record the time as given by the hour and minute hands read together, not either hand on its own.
5:02
